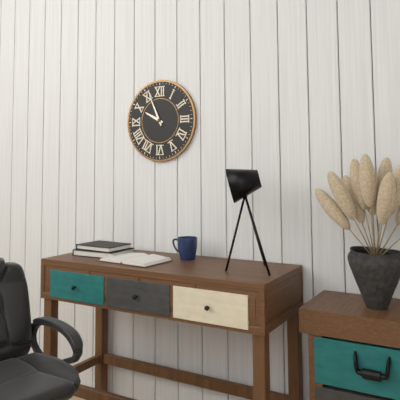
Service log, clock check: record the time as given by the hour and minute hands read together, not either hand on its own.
9:56
